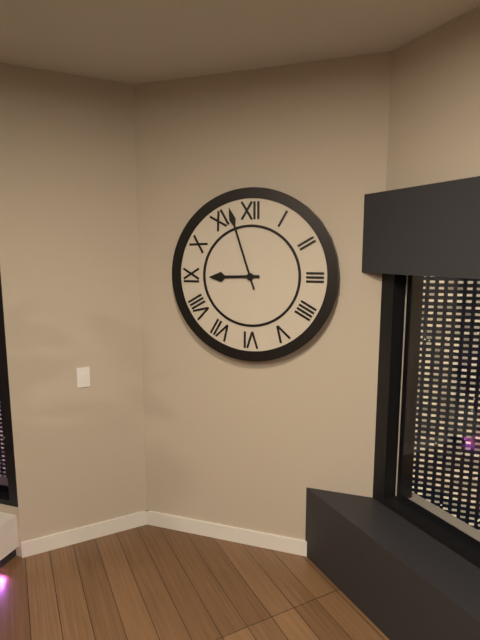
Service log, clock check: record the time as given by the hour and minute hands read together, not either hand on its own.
8:57
